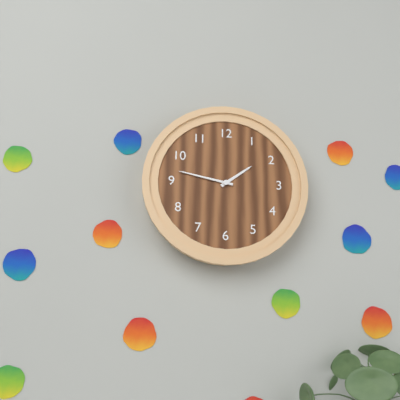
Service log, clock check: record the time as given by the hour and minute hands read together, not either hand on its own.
1:47
